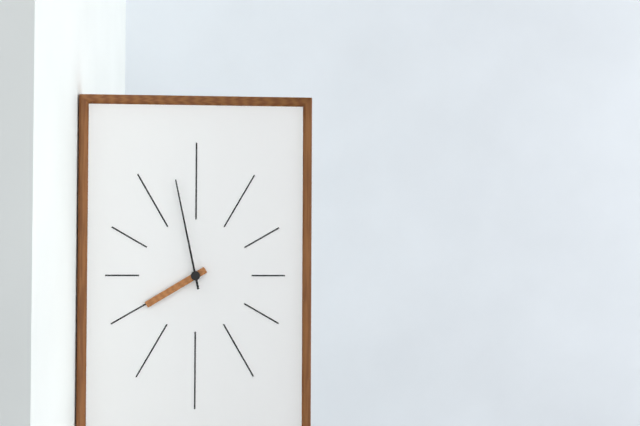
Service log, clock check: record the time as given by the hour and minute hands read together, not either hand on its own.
7:58
